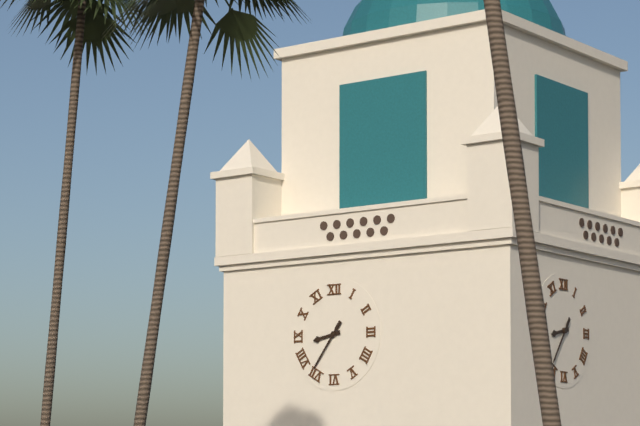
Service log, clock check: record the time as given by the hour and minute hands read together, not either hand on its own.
8:36
